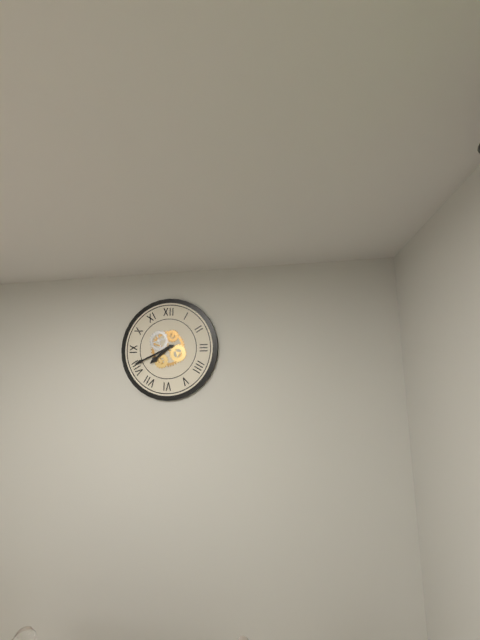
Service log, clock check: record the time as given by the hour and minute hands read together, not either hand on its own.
7:41
